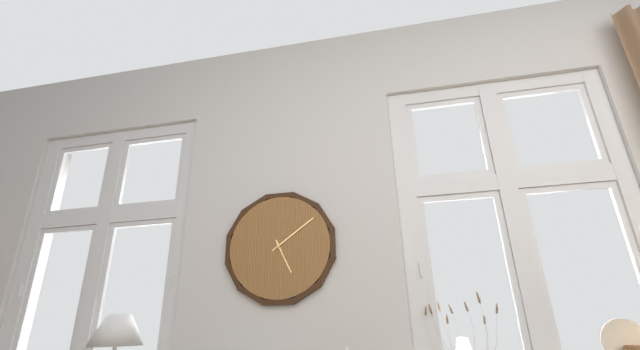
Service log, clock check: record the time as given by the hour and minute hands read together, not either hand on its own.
5:09
